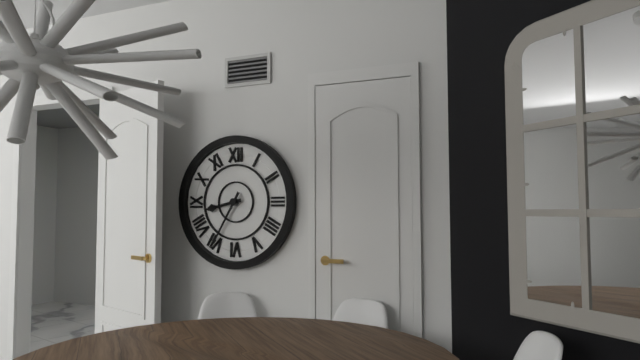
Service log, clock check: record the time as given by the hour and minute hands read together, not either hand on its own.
8:35
